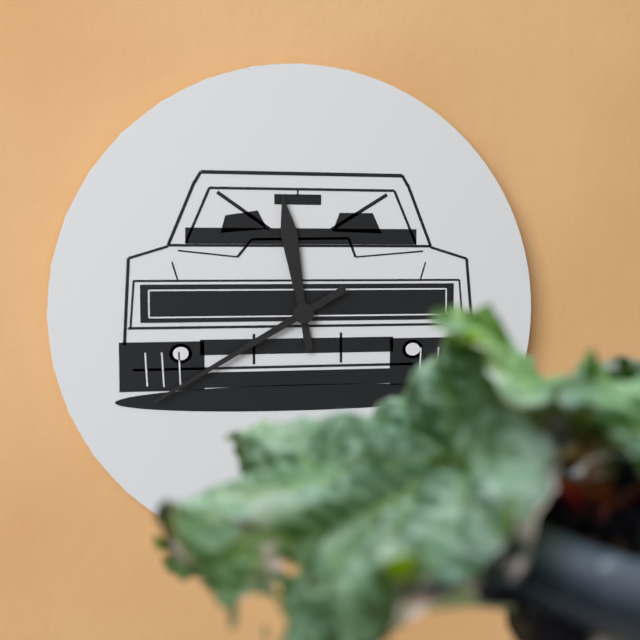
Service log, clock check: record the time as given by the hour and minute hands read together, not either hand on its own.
11:40
